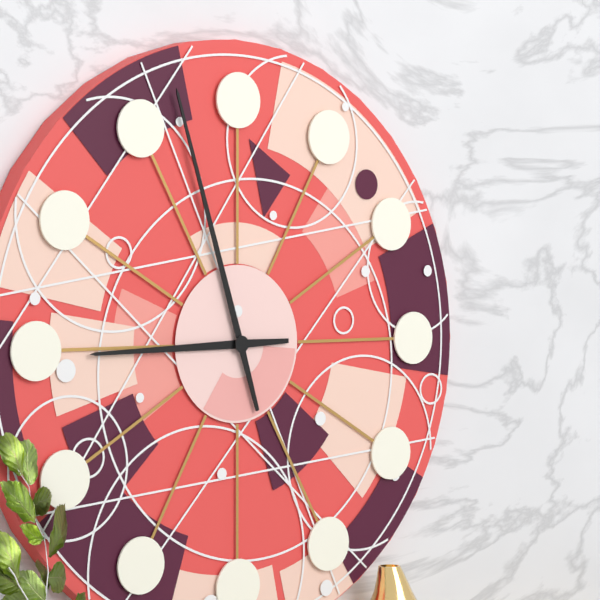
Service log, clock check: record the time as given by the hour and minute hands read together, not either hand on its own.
8:57
